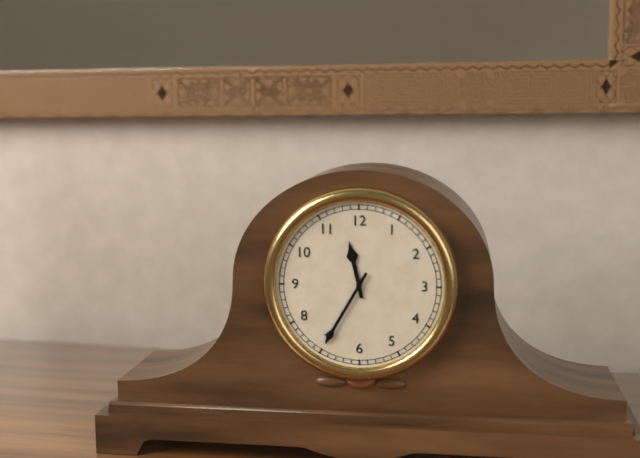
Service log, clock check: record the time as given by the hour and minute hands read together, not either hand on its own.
11:35
